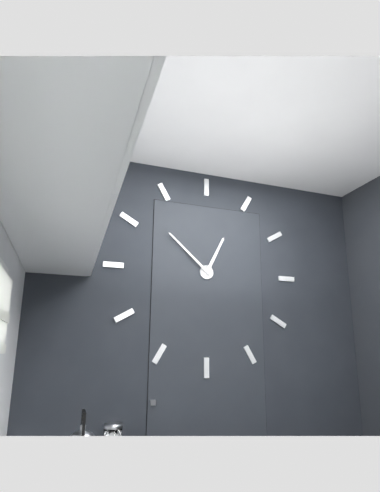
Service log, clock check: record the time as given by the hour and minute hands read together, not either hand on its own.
12:52
